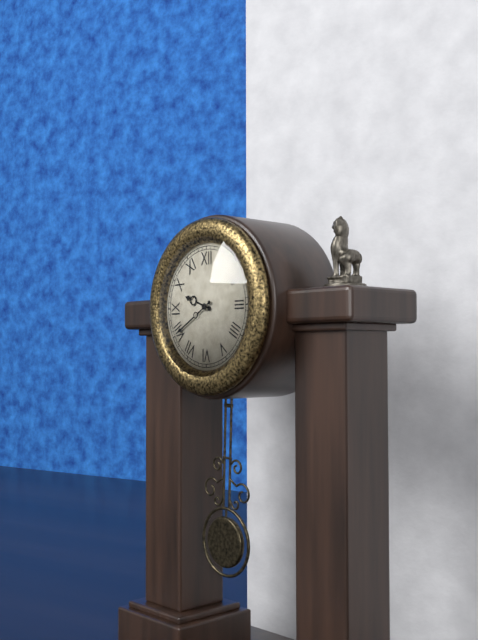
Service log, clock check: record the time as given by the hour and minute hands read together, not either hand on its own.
9:40
